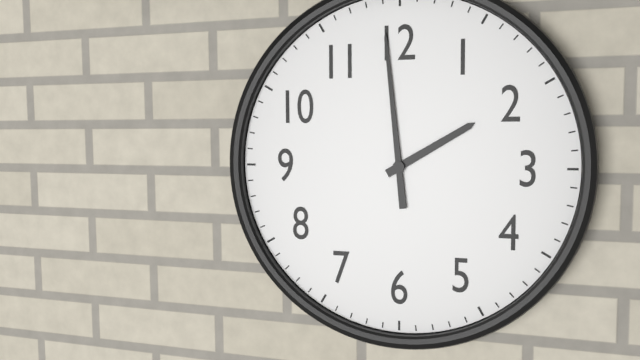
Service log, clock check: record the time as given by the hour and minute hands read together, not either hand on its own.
1:59
